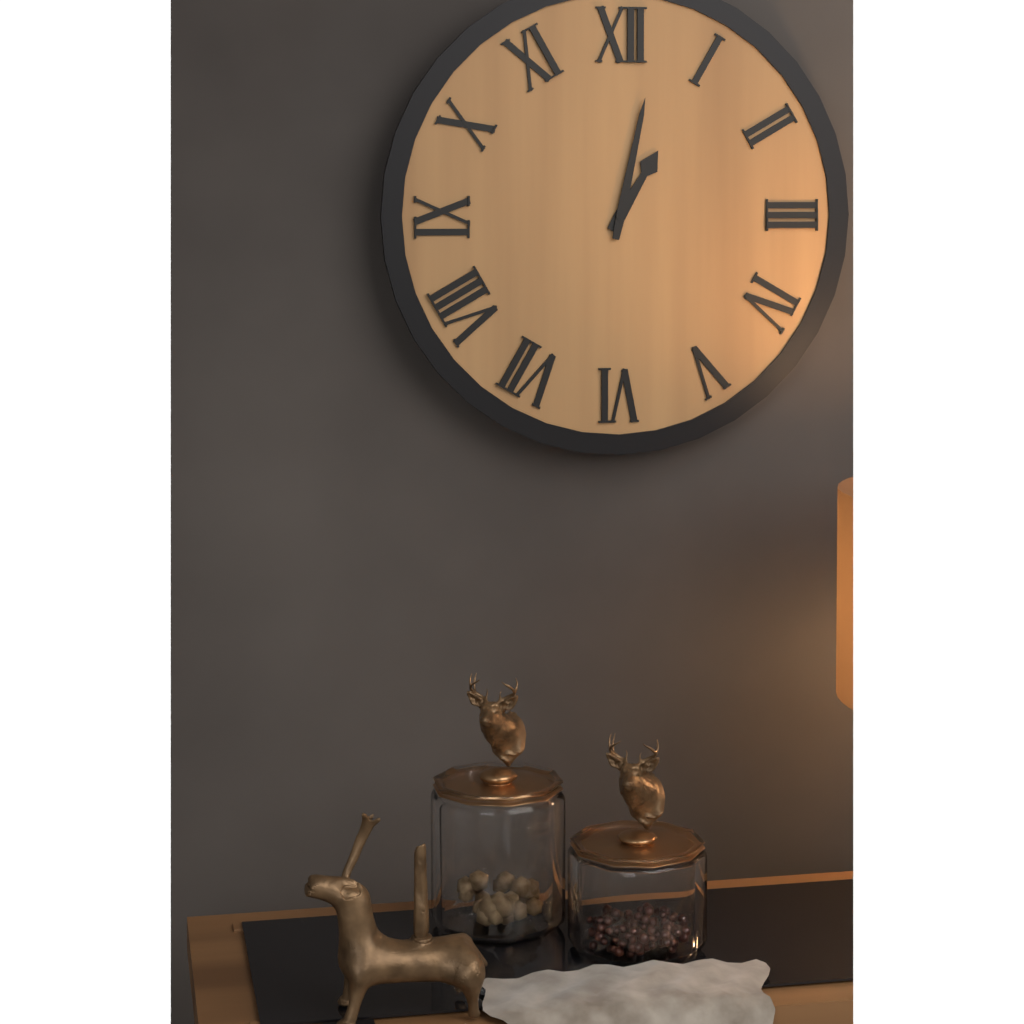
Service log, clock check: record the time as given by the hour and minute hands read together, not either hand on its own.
1:02
